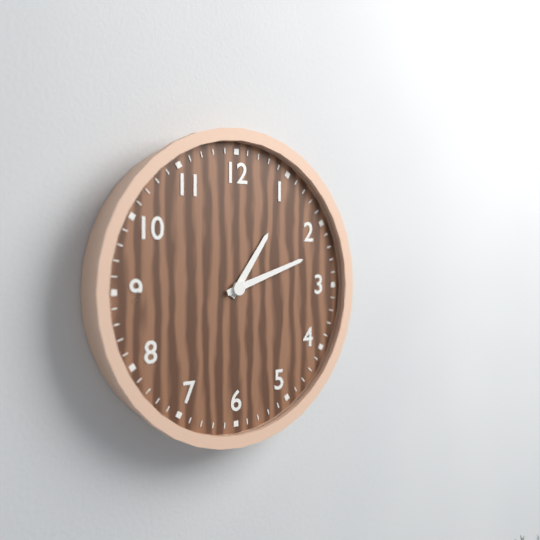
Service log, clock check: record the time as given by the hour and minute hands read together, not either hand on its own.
1:12
